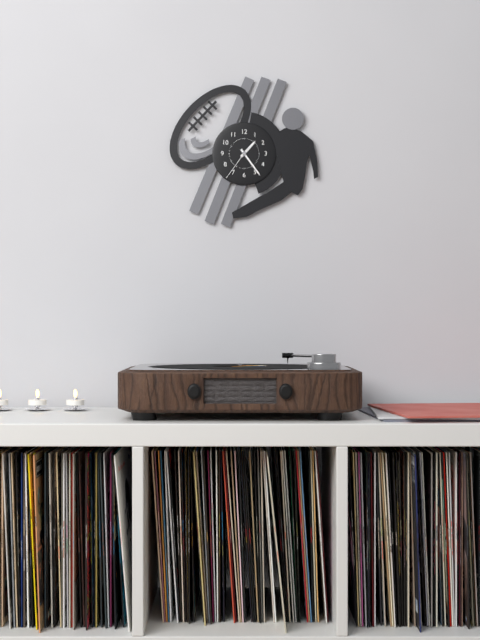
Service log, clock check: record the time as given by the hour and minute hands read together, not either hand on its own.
1:24
